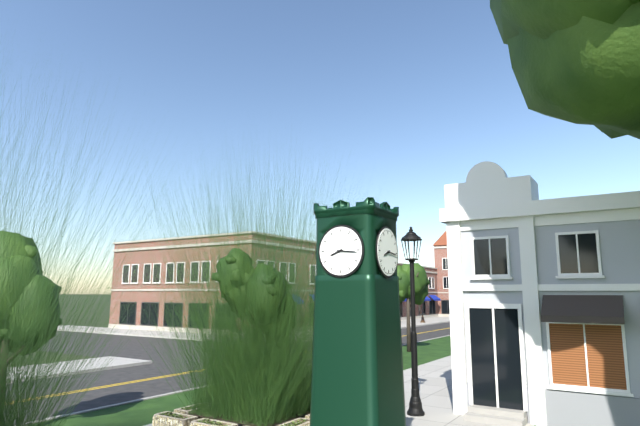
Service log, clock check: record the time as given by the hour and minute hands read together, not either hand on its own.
8:16
